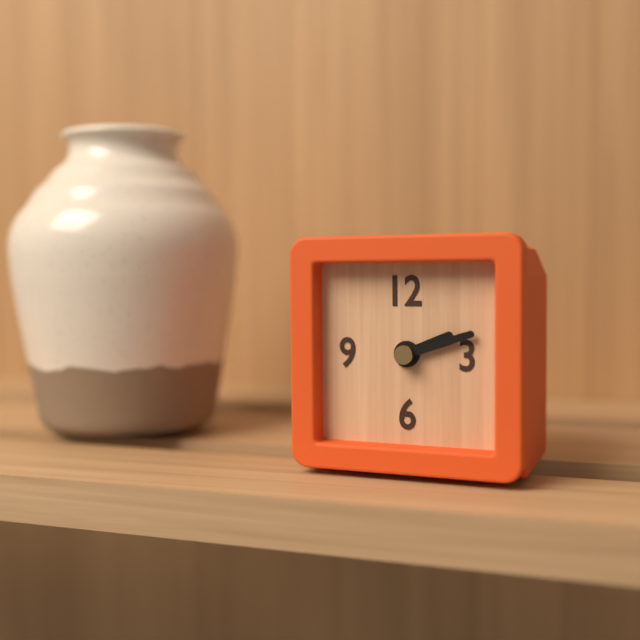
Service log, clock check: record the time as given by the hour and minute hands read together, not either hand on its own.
2:12
